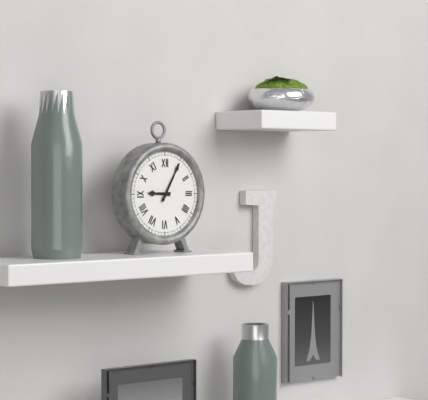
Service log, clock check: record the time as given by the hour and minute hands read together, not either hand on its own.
9:05
